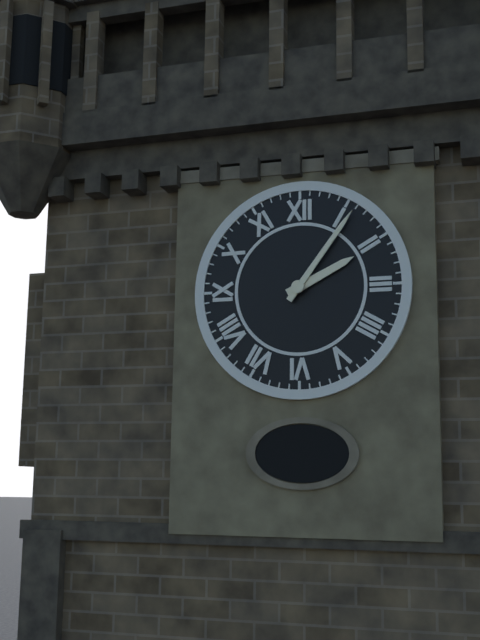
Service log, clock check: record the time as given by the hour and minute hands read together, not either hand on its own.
2:06
